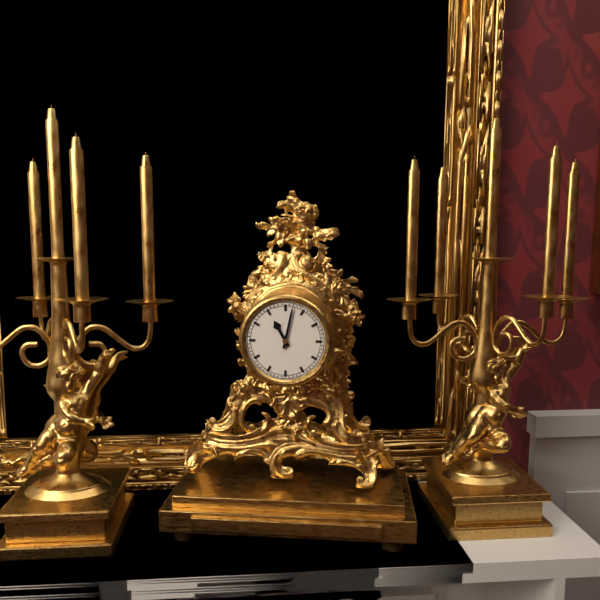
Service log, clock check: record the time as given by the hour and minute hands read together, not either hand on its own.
11:02
